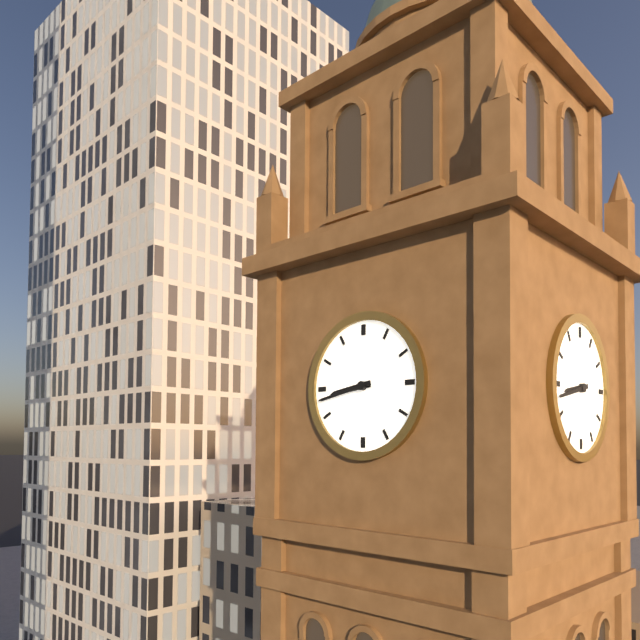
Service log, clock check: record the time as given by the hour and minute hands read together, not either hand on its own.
8:43
